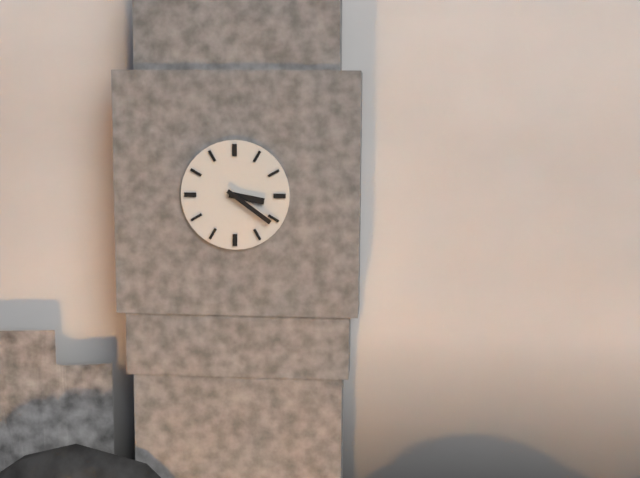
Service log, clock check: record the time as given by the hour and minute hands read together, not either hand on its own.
3:21
